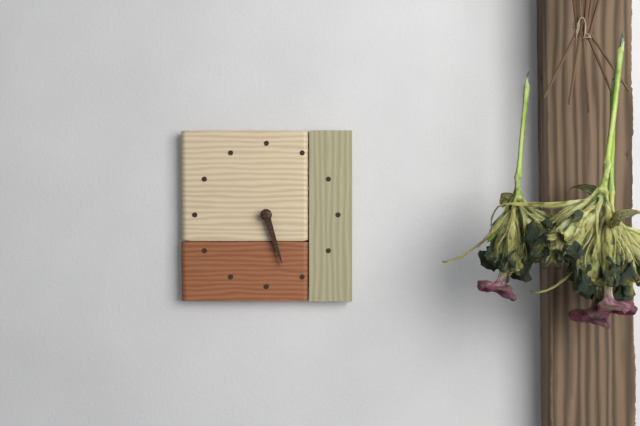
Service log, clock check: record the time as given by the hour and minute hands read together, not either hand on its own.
5:27
